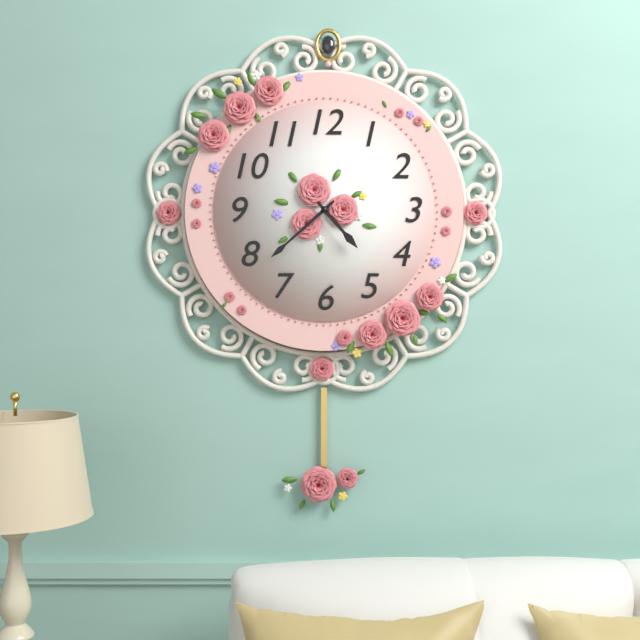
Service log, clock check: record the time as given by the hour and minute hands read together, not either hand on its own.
4:38
